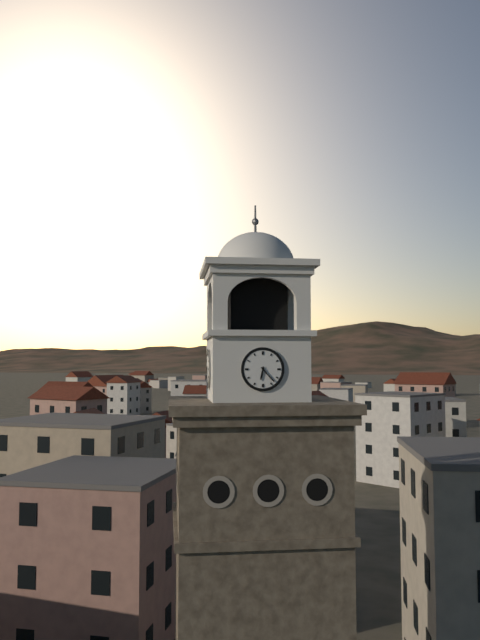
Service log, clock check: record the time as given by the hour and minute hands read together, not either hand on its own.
6:23
